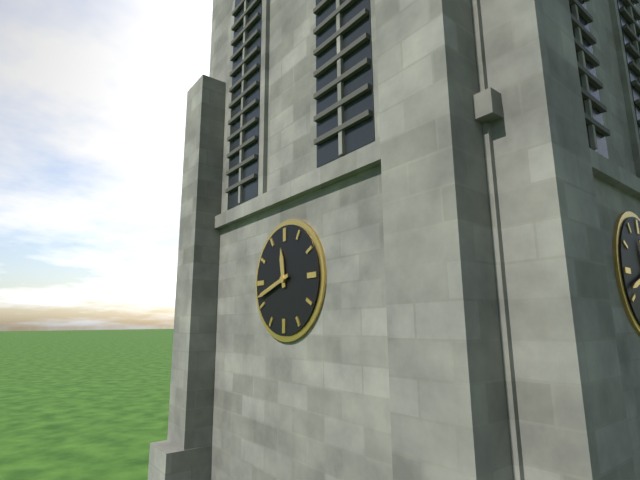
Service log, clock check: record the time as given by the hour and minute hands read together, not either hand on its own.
11:42
